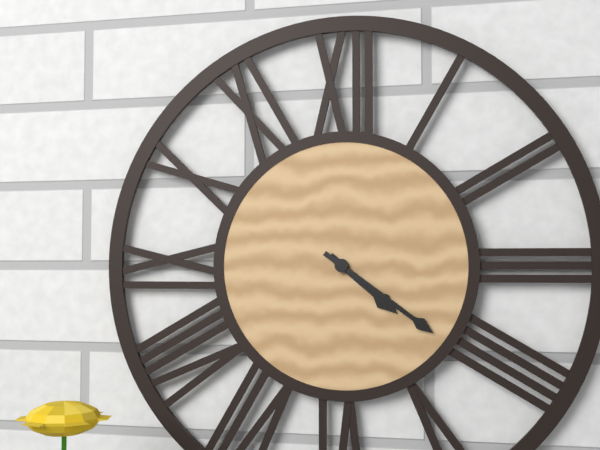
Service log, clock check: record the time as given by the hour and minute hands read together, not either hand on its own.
4:21
